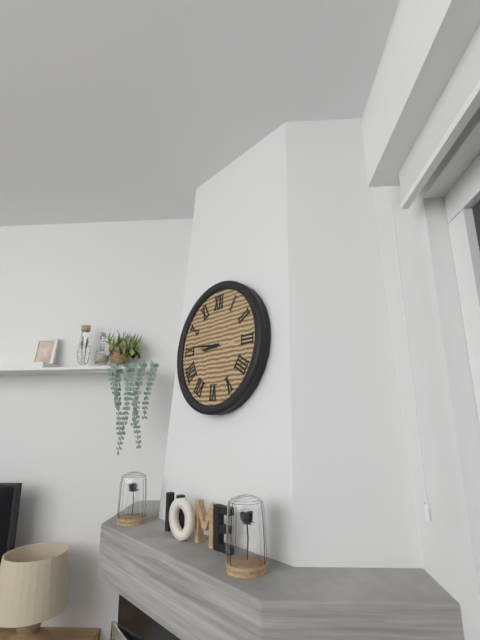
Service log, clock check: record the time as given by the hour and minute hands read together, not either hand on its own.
8:46
